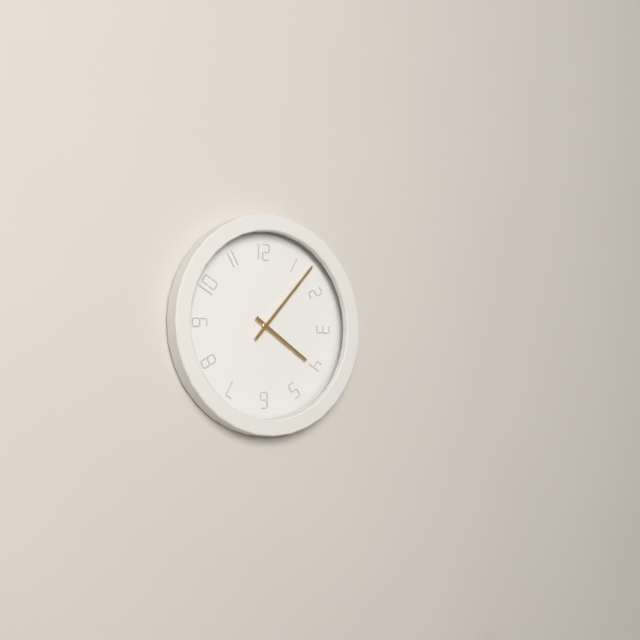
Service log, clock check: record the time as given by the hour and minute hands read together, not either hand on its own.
4:07
